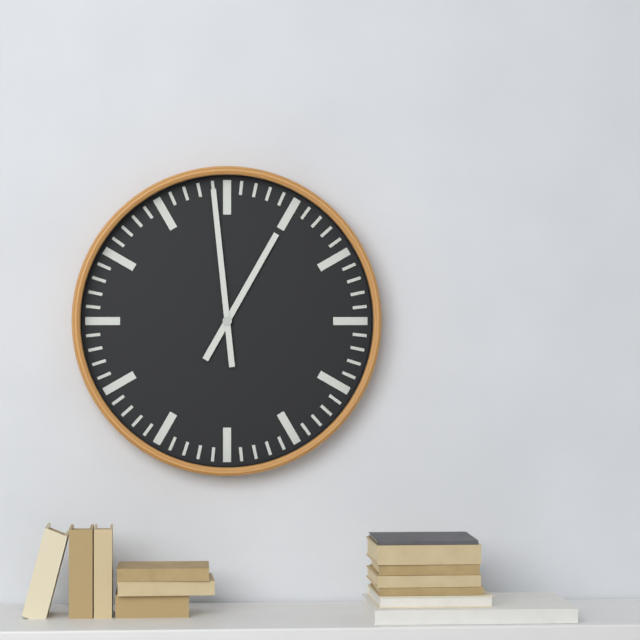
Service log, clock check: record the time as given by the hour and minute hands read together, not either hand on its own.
12:59
